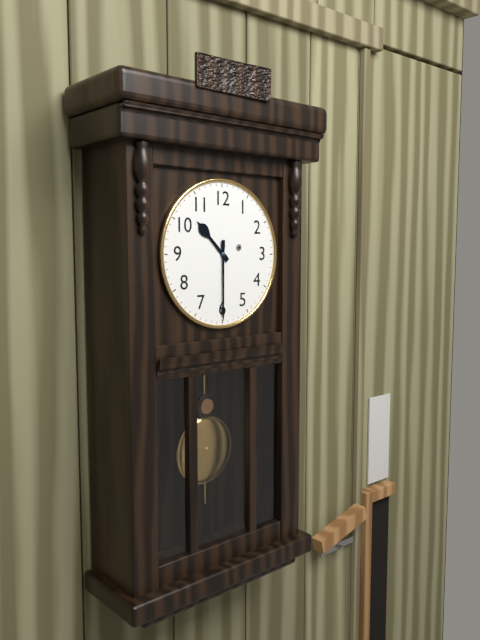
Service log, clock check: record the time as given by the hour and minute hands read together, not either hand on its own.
10:30
